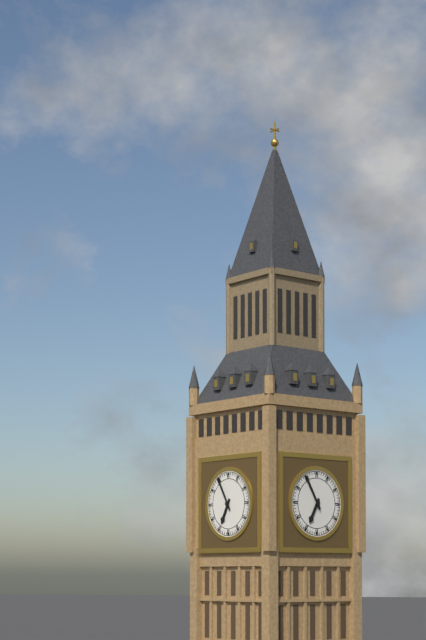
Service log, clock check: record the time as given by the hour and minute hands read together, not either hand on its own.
6:55
